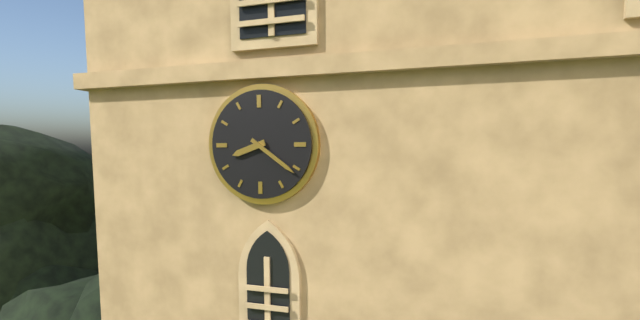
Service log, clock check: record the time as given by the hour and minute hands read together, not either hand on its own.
8:21
